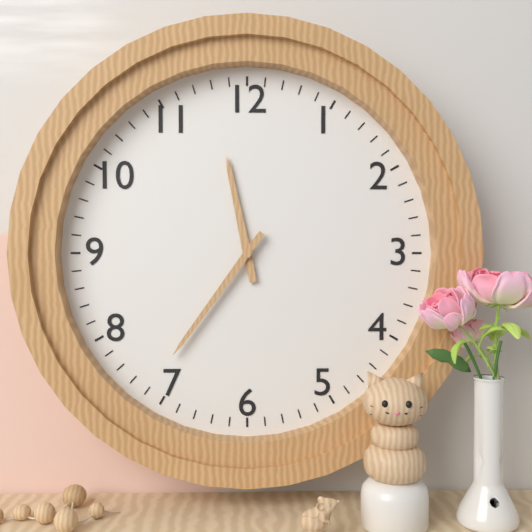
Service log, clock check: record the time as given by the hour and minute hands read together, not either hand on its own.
11:36
